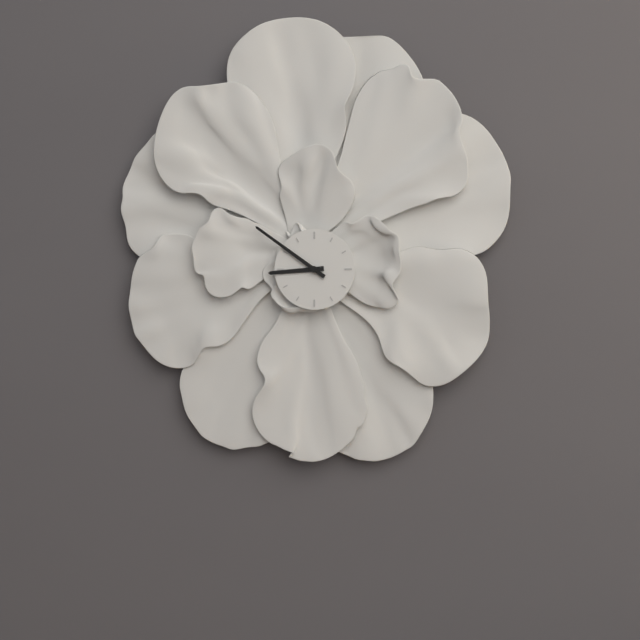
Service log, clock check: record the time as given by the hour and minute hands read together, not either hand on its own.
8:51
